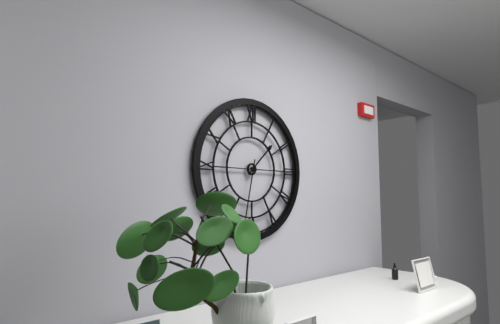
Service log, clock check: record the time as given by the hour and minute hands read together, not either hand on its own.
1:32
